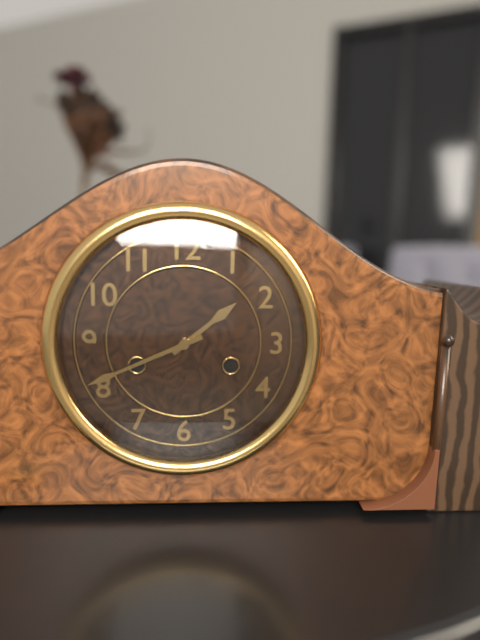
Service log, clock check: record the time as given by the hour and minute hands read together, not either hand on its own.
1:41
